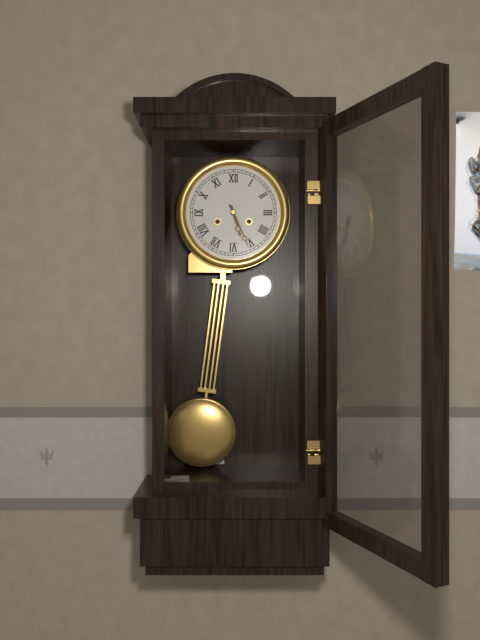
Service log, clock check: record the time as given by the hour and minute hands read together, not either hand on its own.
5:26
